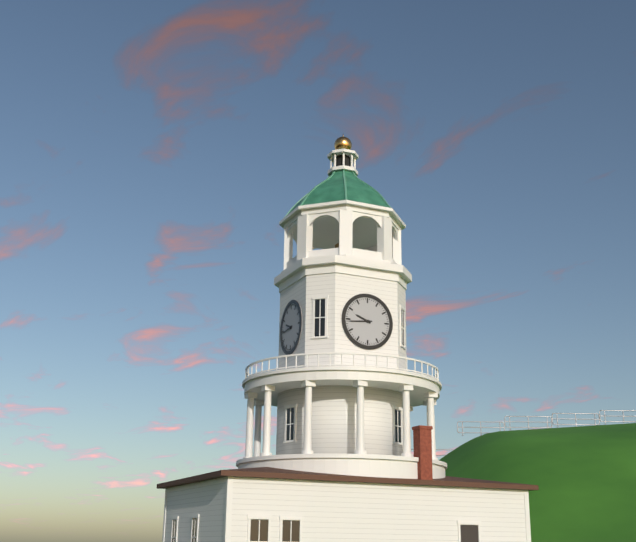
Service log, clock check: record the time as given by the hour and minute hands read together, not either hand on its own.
9:44
